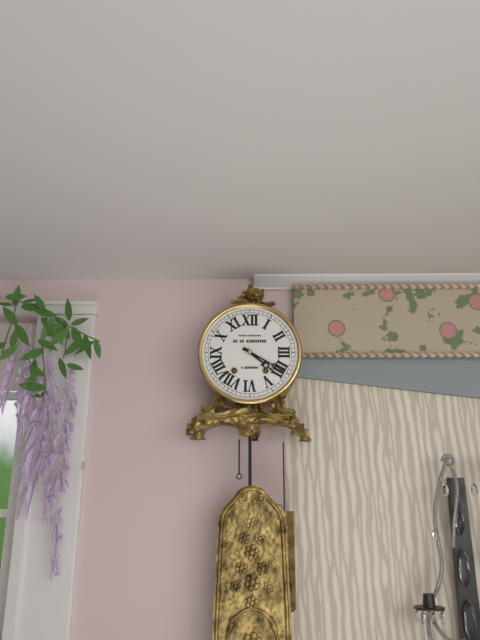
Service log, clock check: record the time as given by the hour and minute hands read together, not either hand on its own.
4:20
